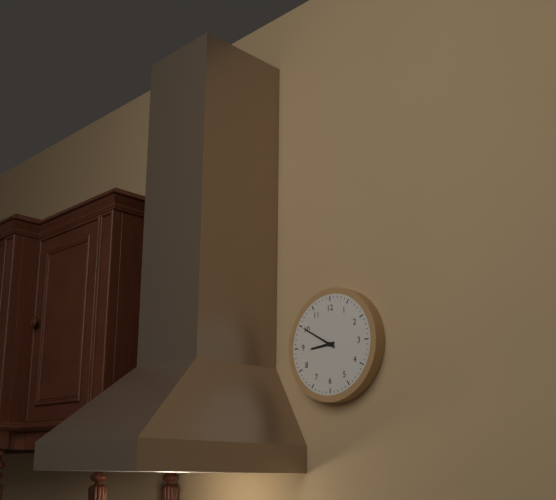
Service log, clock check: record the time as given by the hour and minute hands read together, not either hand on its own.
8:50
